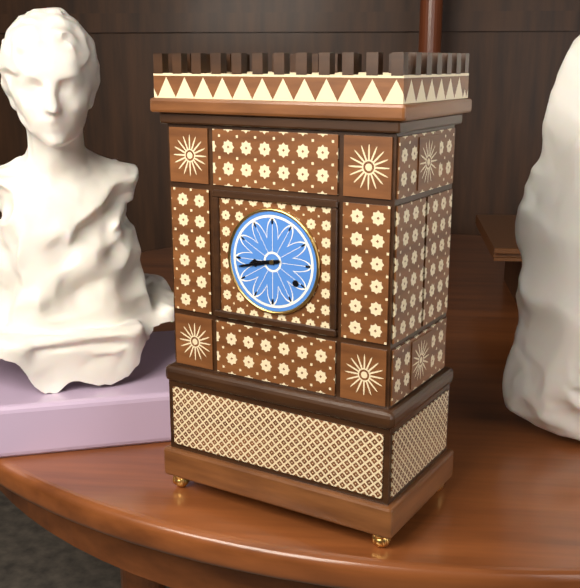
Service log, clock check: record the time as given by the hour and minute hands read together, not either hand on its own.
8:43
